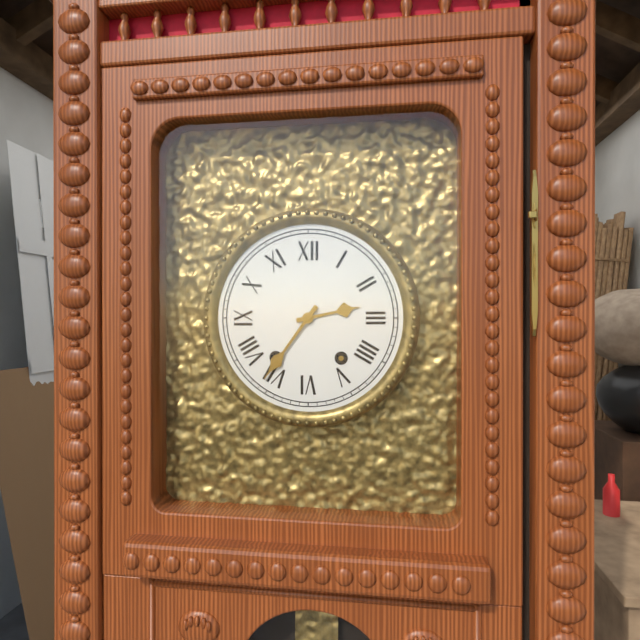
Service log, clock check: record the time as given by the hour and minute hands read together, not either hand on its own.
2:36
